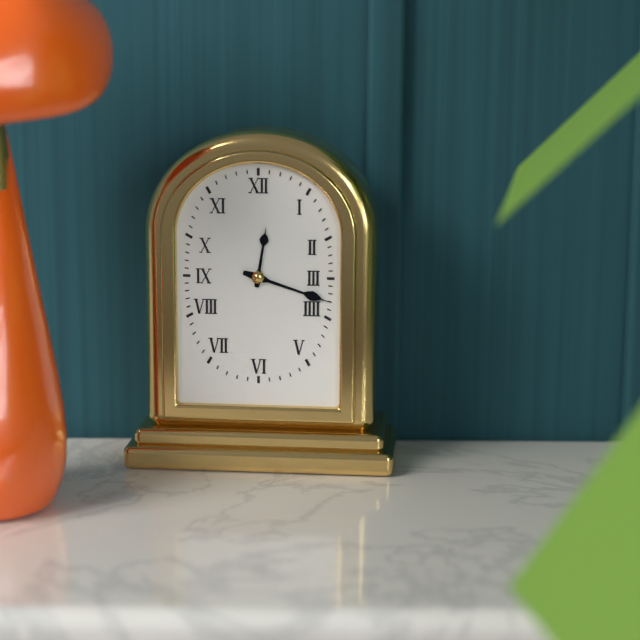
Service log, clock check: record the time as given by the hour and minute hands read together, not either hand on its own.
12:18
